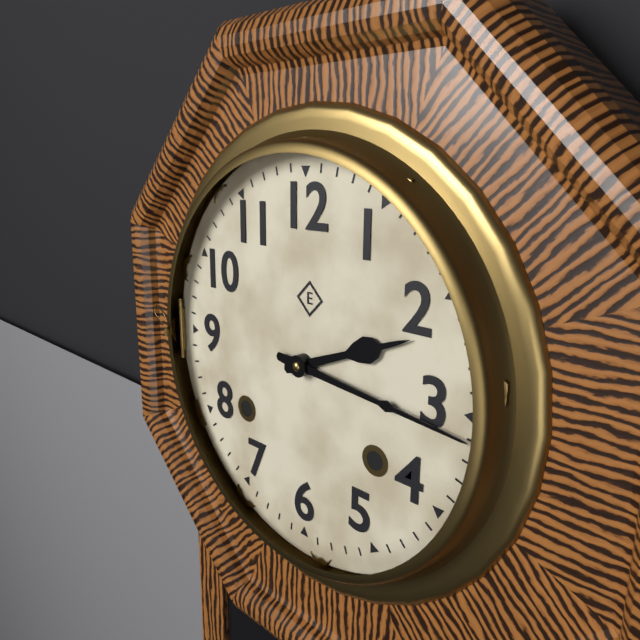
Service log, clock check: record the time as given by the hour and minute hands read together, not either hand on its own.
2:16
